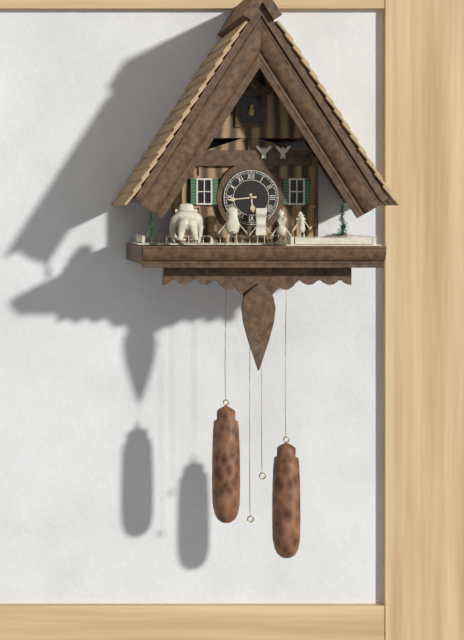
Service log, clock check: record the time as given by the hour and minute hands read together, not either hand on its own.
5:44
